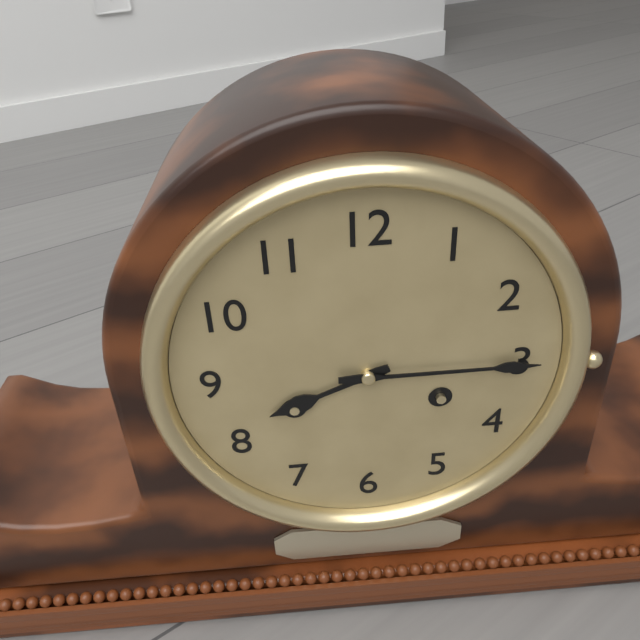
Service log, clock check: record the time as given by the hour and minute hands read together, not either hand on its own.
8:15
